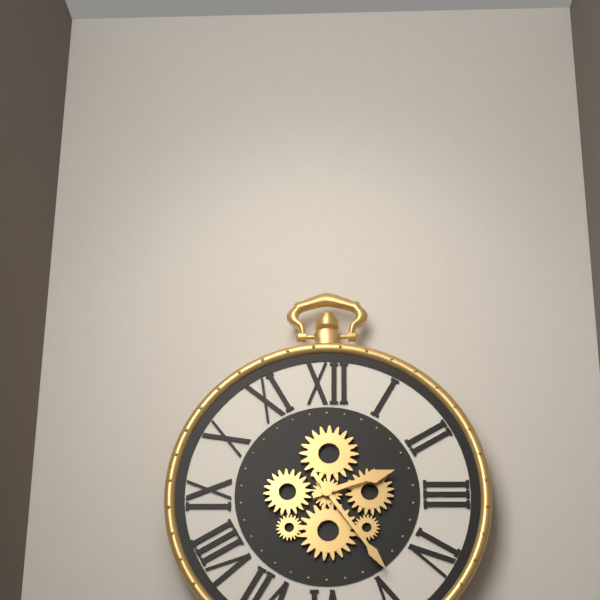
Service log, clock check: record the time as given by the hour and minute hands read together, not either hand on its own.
2:24
